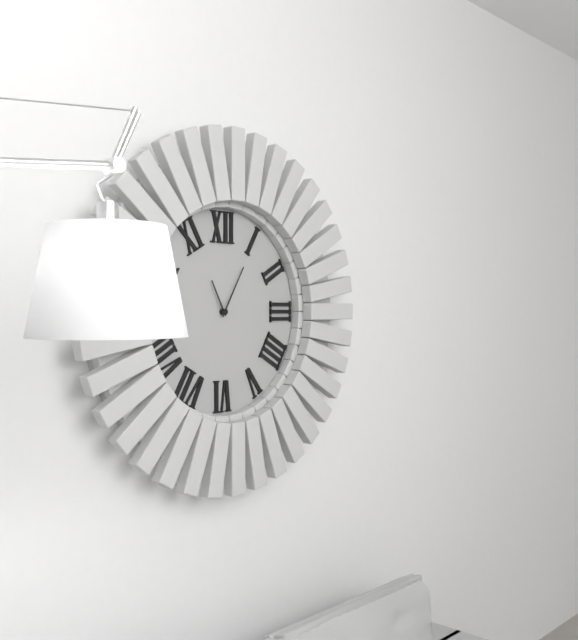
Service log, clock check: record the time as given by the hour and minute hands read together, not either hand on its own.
11:05
